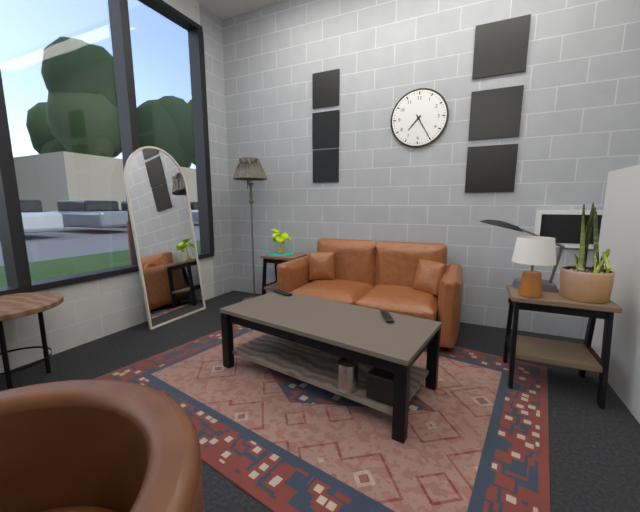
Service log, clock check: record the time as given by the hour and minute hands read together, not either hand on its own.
7:25
